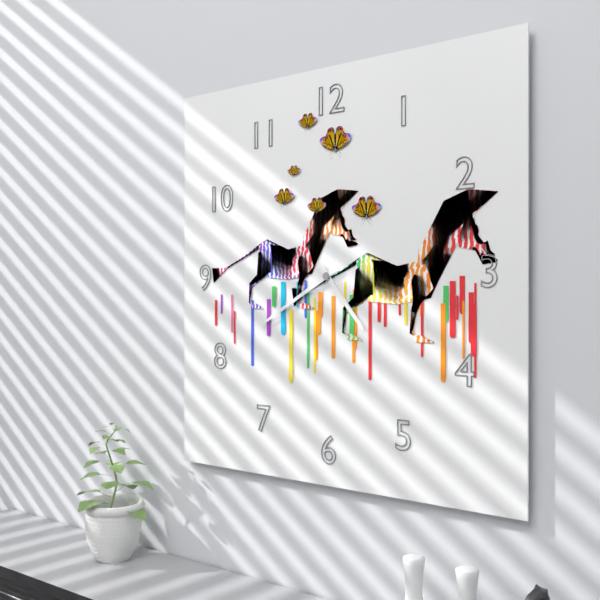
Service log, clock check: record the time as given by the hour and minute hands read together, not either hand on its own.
4:40
